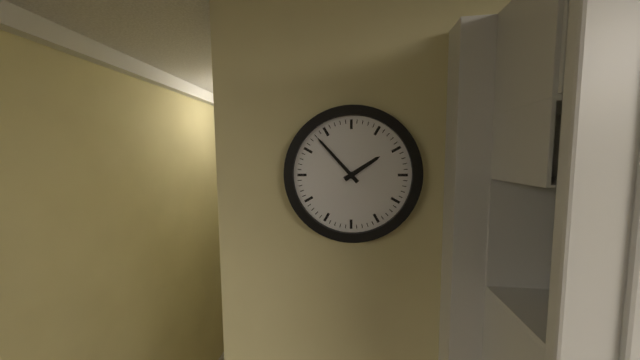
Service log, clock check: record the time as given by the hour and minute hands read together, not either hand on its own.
1:53
